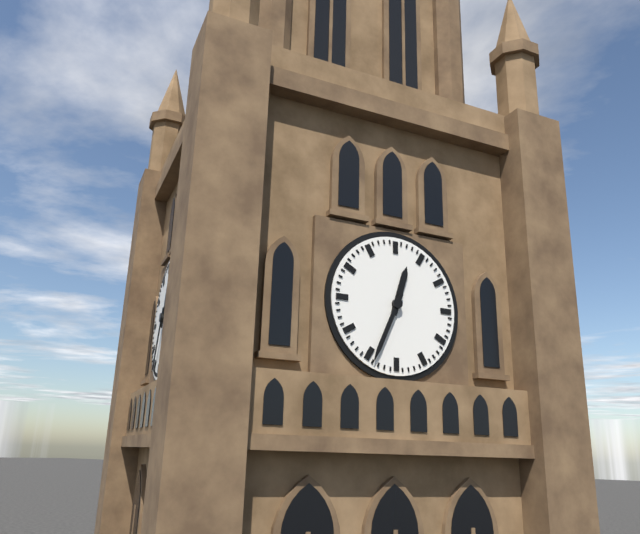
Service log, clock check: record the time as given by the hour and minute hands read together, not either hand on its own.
12:34
